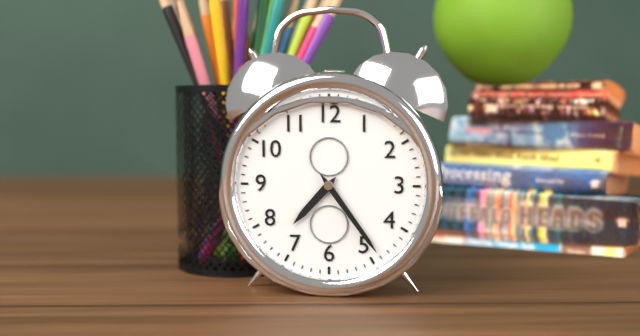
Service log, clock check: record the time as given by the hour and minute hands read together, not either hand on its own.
7:24
